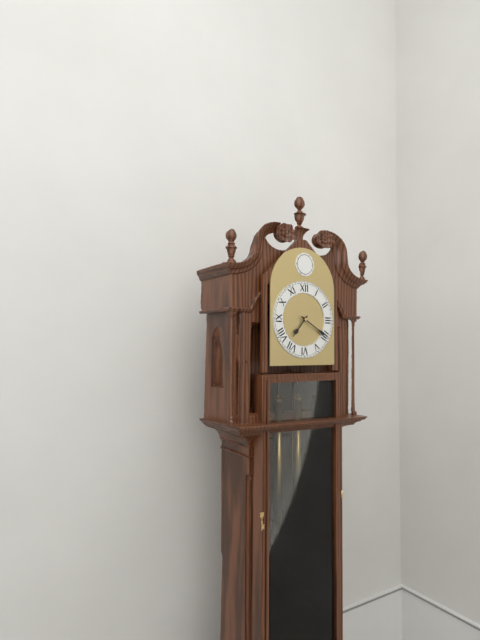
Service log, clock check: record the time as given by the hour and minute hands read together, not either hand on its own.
7:20
